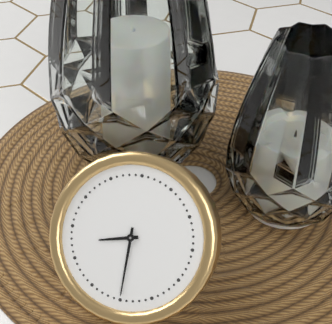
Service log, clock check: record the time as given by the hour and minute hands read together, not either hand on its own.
8:30
